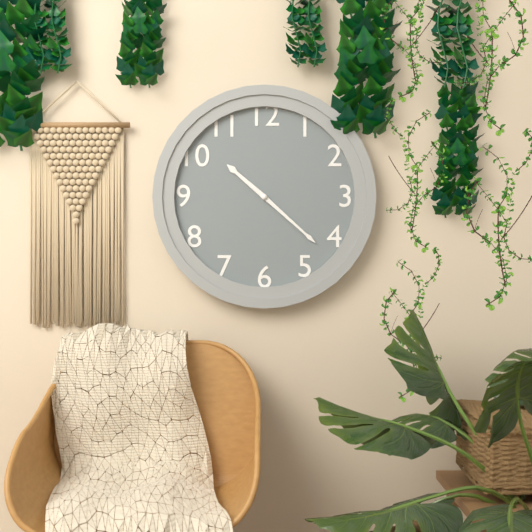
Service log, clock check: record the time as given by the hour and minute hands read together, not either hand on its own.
10:22
